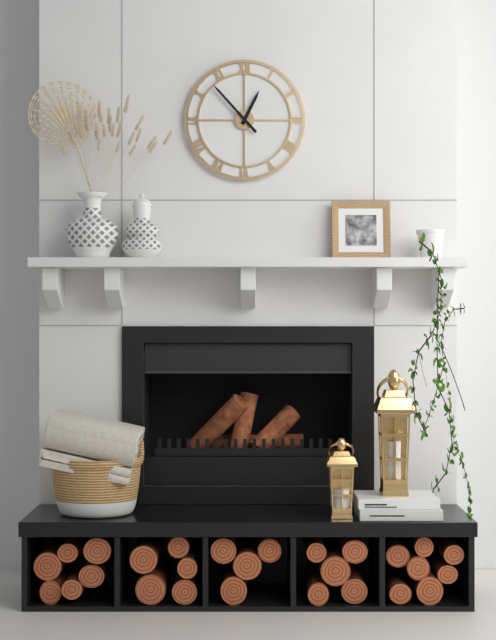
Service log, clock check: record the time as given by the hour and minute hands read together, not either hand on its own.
12:53
